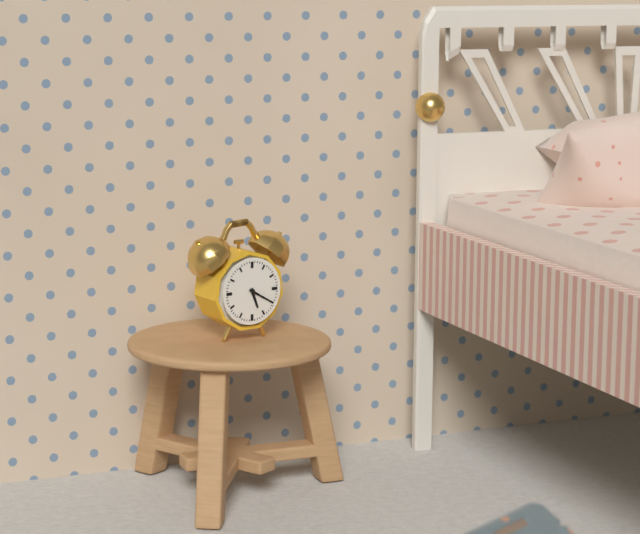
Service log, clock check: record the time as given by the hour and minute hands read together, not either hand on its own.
5:20
